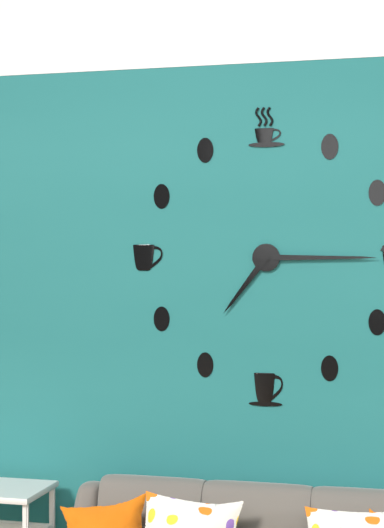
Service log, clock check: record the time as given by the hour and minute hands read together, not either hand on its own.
7:15
